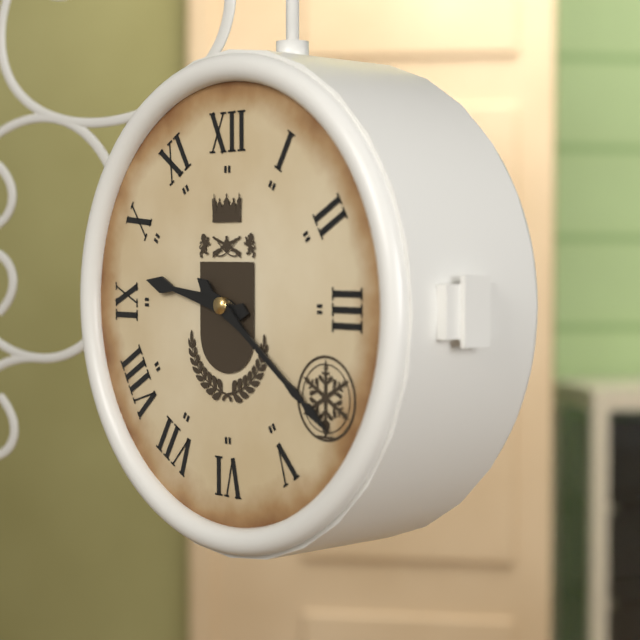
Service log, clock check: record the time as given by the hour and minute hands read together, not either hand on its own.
9:21
